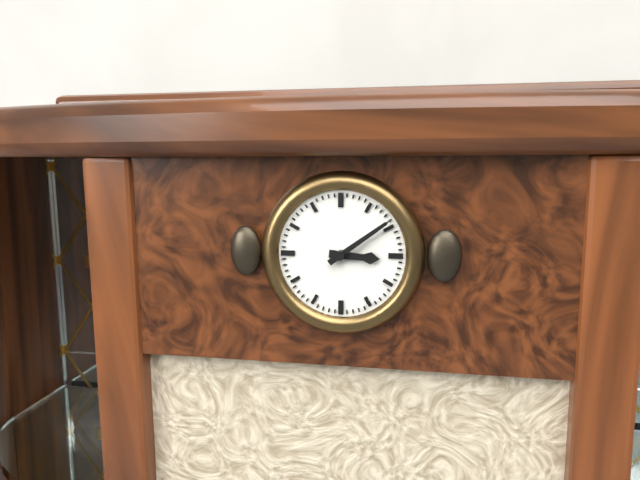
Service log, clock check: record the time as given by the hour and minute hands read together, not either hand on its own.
3:09
